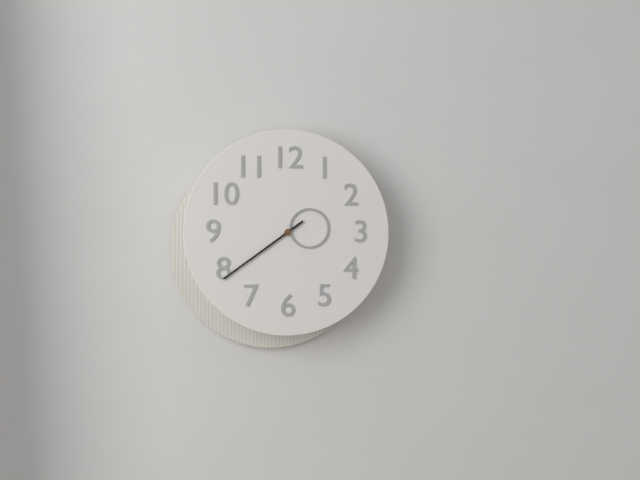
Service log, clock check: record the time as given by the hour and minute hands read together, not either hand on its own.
2:39
